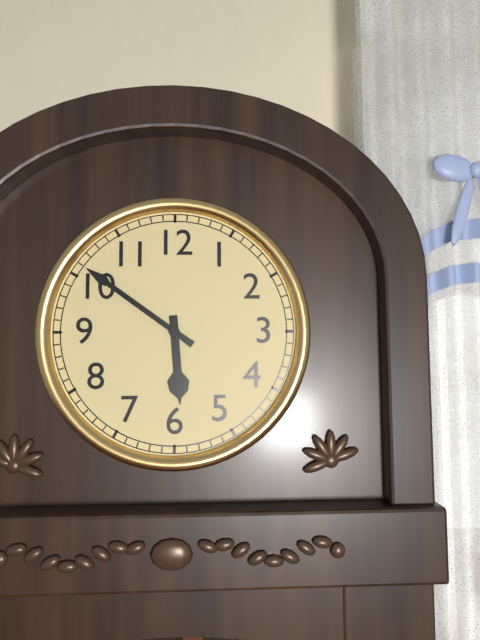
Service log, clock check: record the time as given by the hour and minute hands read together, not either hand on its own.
5:51
